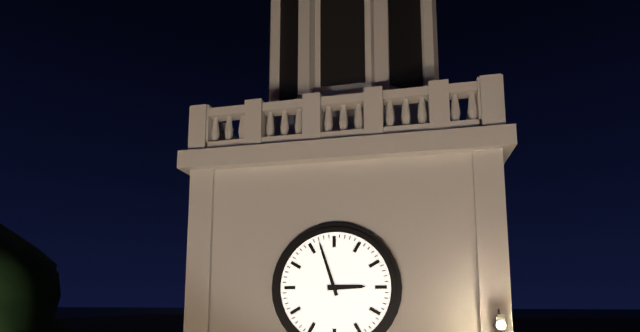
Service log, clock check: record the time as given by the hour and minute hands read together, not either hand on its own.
2:57
